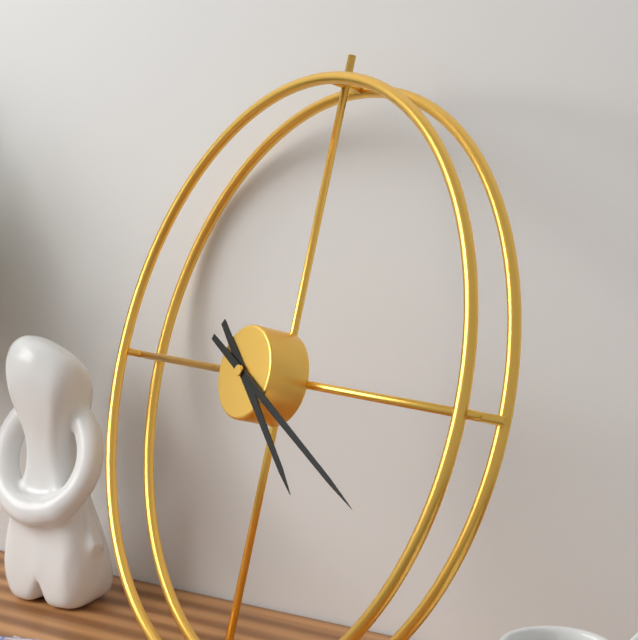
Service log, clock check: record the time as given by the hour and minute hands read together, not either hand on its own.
4:19
